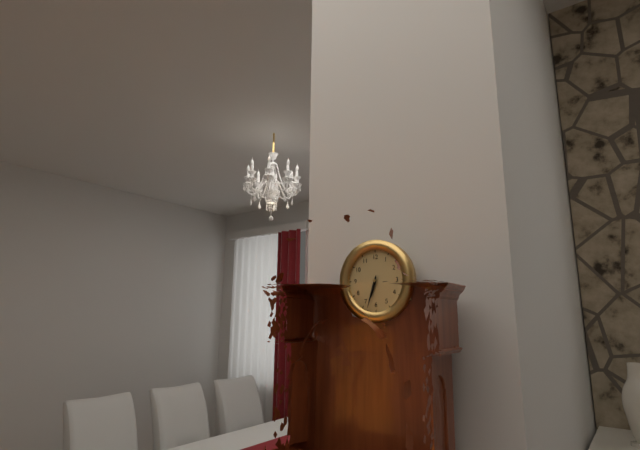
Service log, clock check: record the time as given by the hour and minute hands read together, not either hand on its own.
6:33
